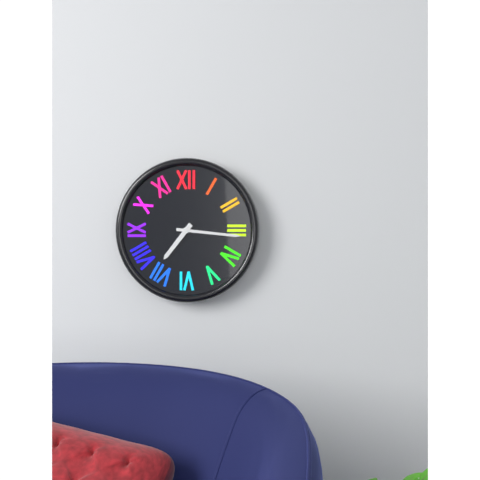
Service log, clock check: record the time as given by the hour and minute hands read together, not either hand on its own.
7:16
